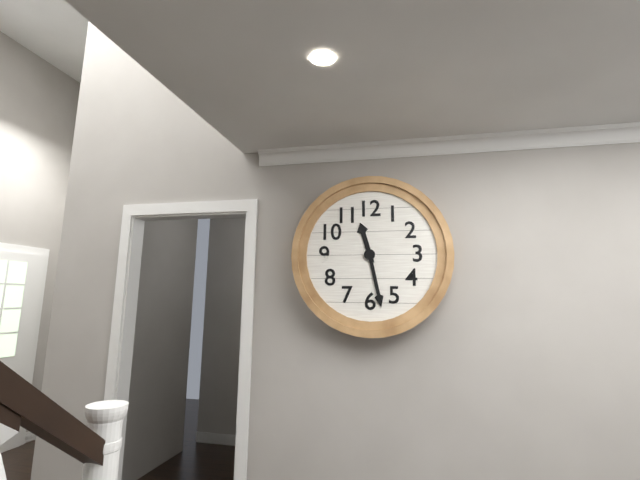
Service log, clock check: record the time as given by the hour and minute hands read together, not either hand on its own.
11:28
